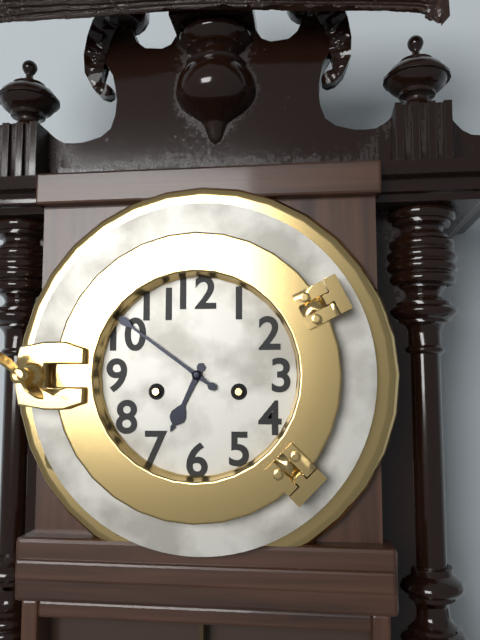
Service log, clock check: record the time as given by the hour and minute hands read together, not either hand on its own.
6:51
